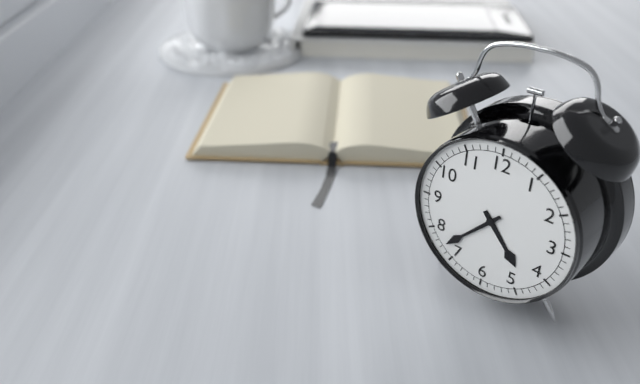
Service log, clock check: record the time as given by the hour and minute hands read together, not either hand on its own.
4:37
